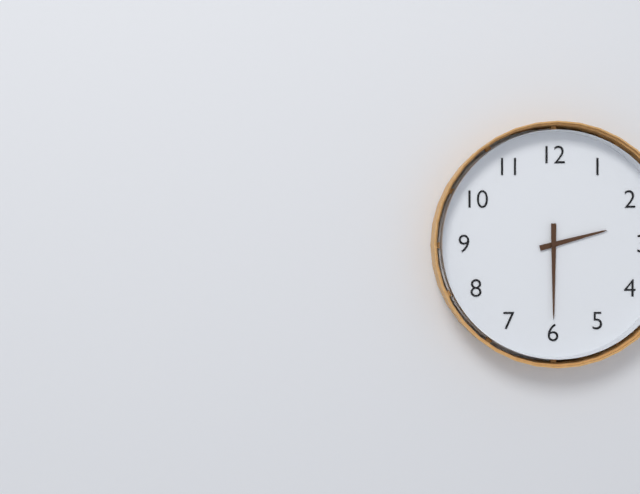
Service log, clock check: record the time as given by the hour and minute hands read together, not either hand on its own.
2:30
